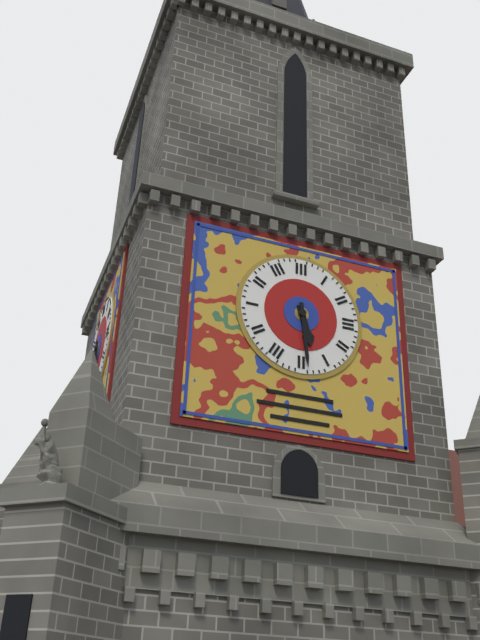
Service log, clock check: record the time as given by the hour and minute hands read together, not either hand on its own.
5:29
